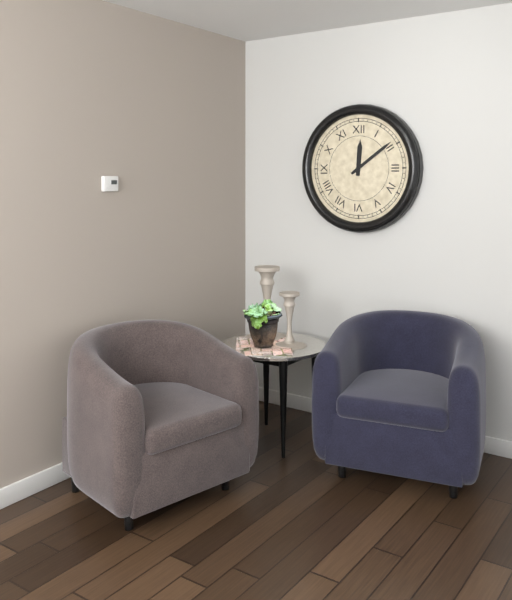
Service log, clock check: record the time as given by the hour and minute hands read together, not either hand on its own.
12:09
